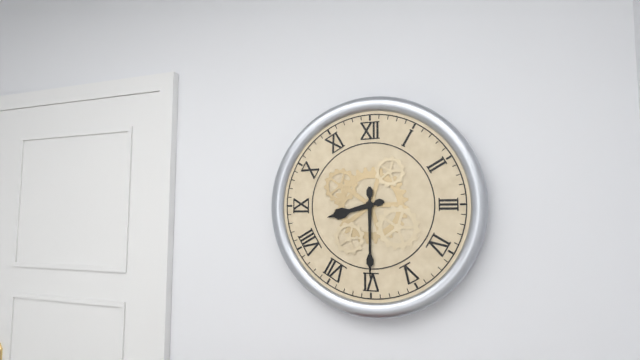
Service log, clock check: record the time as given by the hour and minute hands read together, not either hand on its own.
8:30
